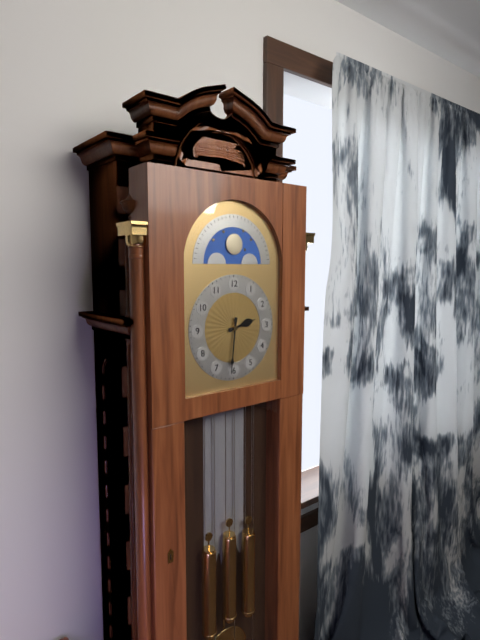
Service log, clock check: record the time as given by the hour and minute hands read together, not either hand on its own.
2:31
